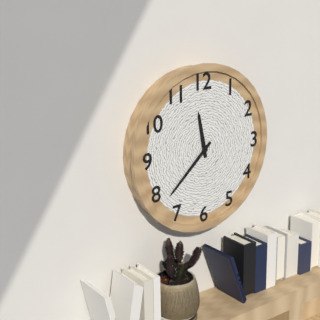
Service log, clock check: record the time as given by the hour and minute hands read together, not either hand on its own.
11:38
